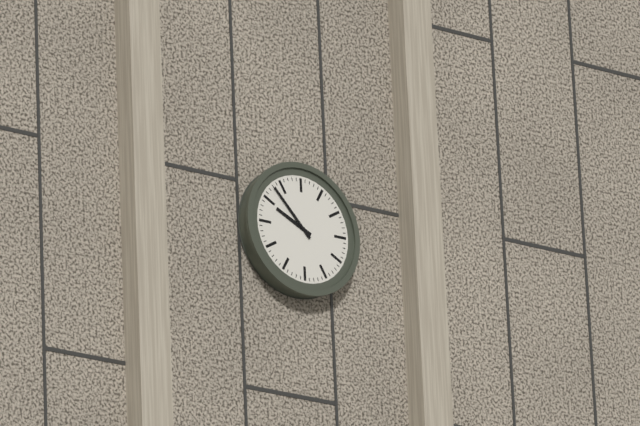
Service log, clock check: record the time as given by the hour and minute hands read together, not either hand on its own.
9:53
